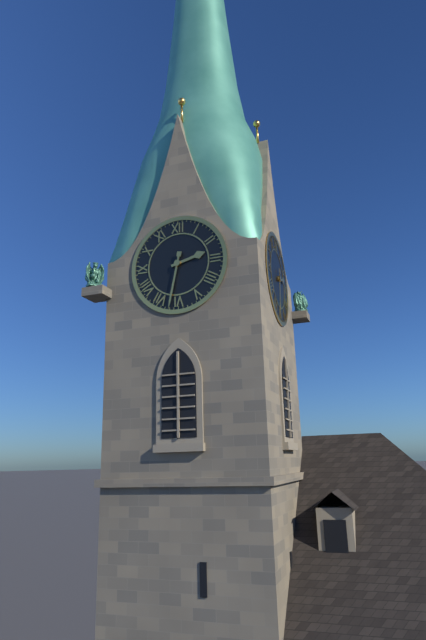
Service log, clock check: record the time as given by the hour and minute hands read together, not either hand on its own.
2:32
